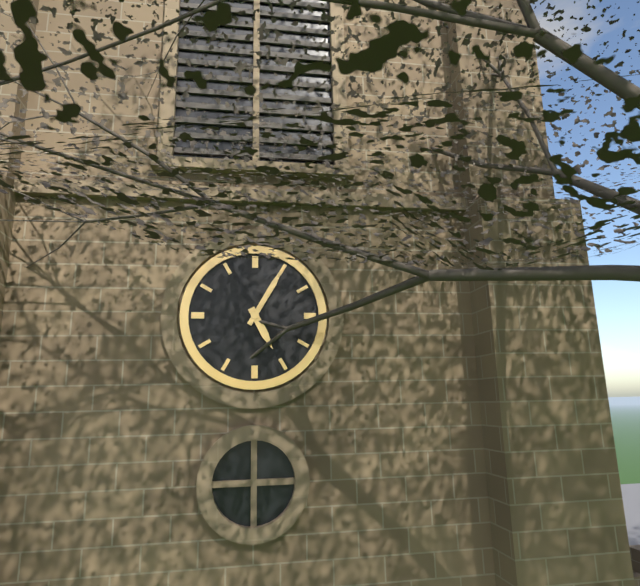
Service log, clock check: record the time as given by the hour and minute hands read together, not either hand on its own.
5:05
